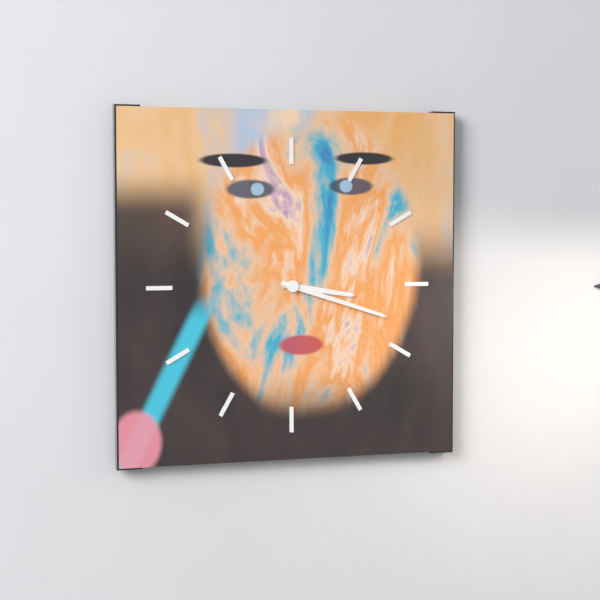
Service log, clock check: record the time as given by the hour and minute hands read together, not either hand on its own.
3:18
